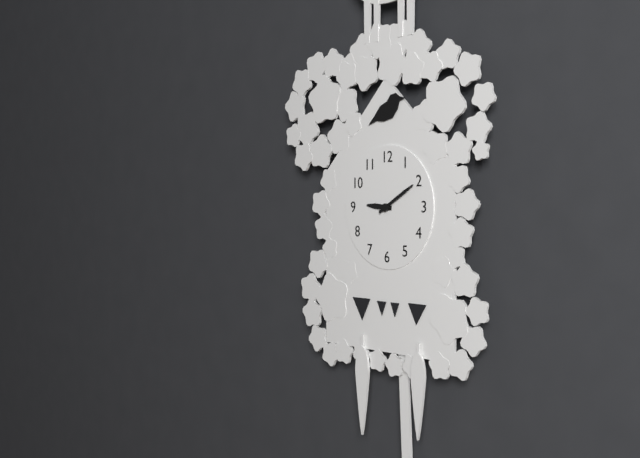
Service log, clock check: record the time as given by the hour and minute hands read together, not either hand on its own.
9:10
